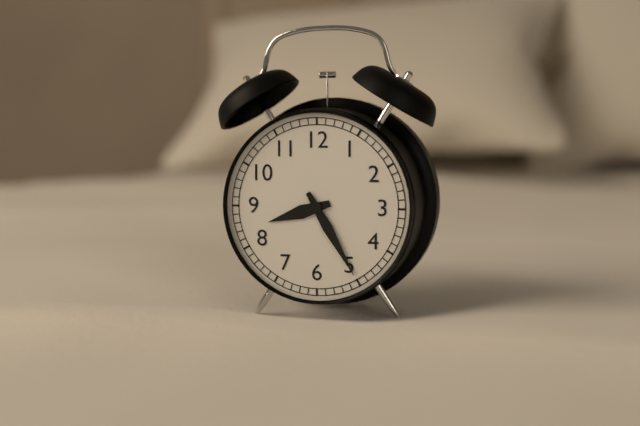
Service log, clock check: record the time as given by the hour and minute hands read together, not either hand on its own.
8:25
